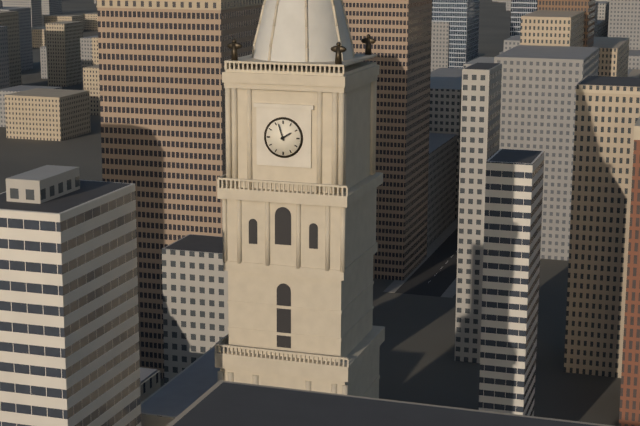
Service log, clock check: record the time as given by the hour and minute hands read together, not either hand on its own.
1:57
